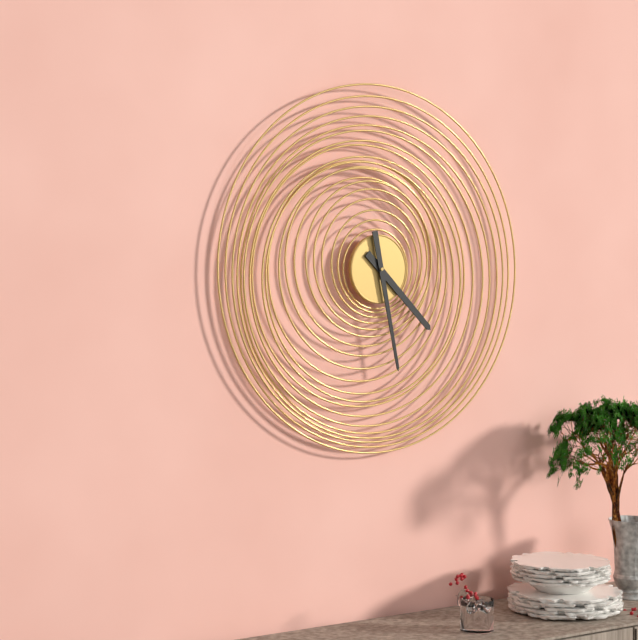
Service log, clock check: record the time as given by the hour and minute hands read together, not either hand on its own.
4:28
